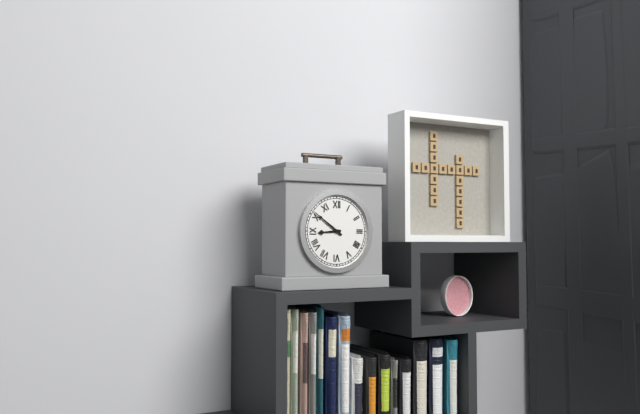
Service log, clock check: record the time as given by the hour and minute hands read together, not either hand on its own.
8:51
